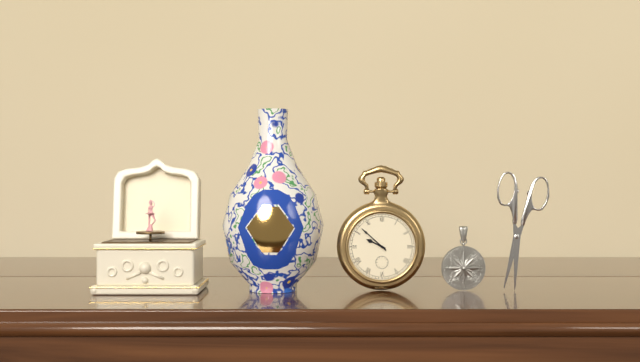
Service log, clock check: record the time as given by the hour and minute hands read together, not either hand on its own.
9:52
